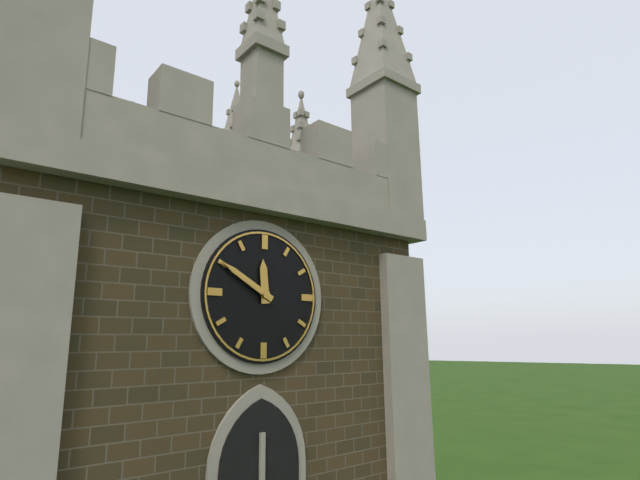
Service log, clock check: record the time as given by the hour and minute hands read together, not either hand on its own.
11:50
